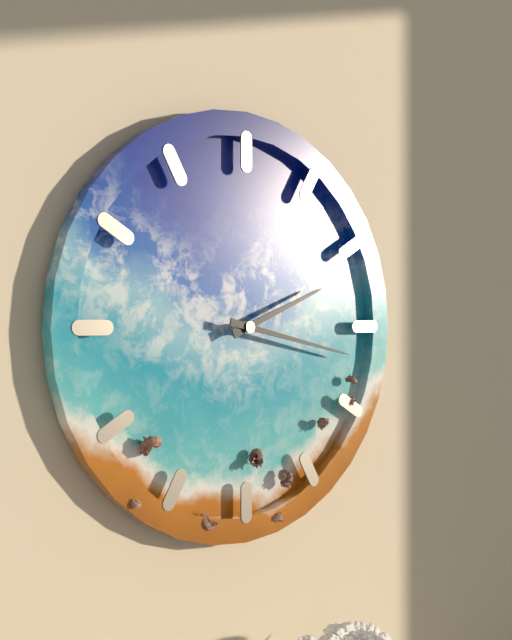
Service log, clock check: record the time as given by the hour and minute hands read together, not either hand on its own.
2:17
